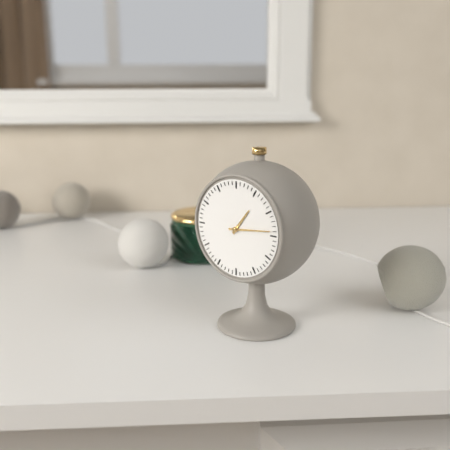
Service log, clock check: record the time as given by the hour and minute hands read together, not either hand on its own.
1:14
